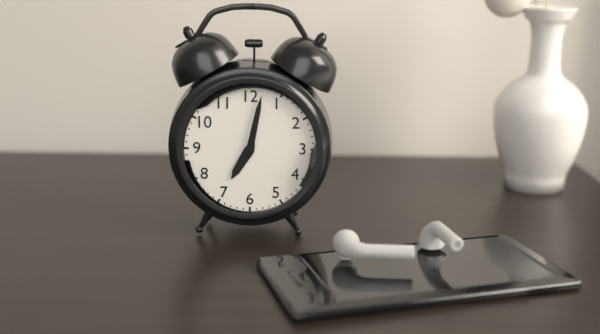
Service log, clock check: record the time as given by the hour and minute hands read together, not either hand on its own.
7:02
